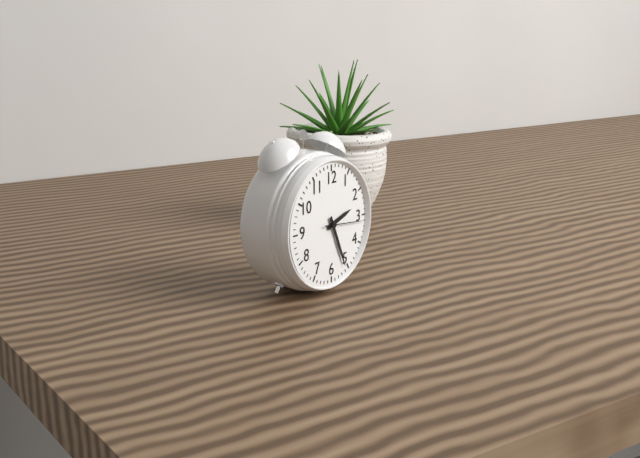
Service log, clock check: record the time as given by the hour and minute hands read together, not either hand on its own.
2:26
